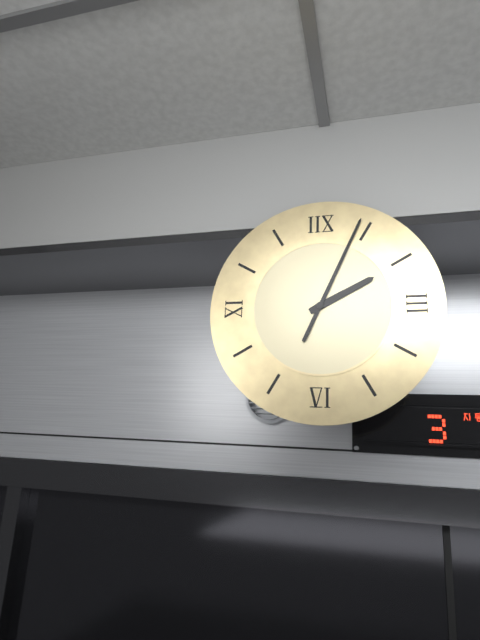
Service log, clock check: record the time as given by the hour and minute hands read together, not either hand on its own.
2:04
